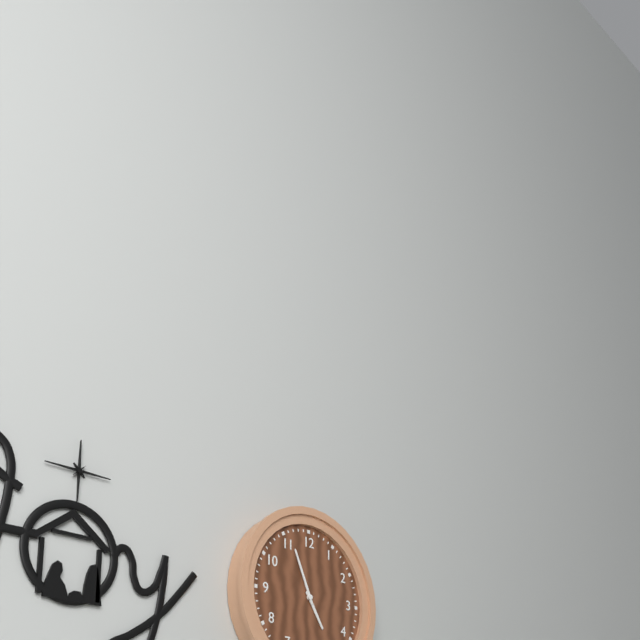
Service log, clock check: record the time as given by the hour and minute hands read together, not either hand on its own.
4:56
